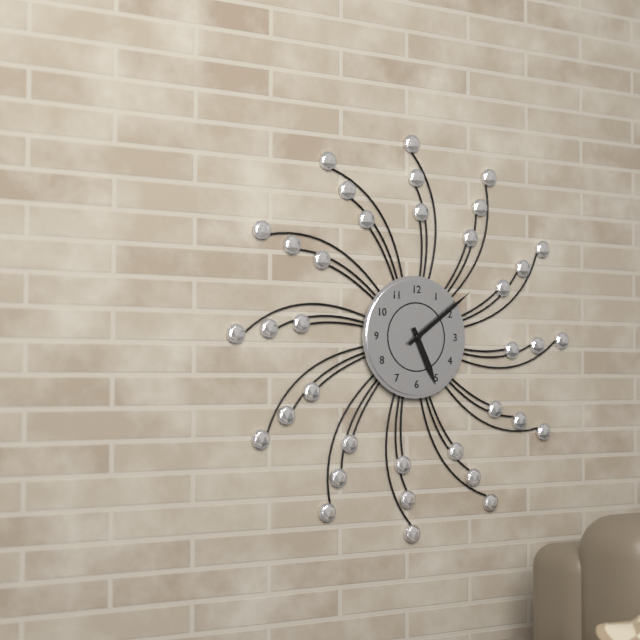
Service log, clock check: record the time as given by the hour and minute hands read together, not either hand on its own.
5:09
